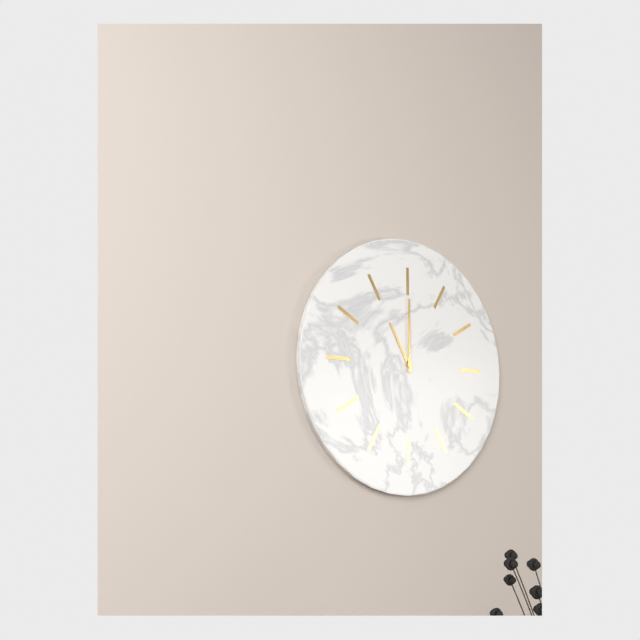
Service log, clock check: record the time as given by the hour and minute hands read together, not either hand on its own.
11:00
